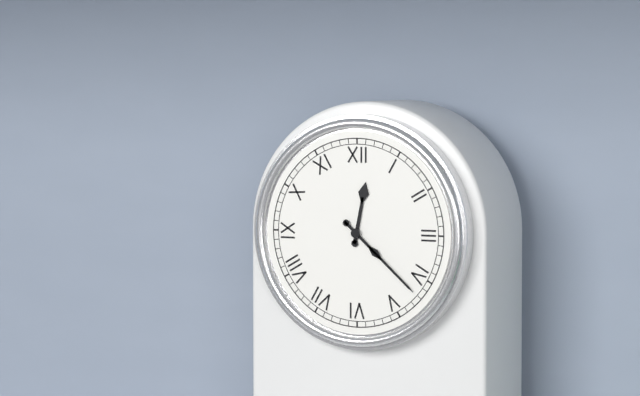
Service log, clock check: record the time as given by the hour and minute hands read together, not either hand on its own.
12:22
